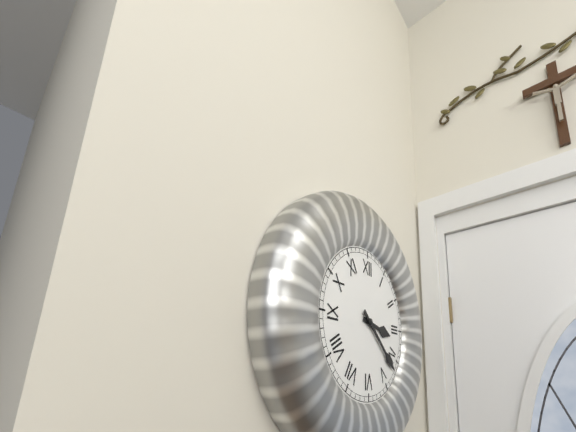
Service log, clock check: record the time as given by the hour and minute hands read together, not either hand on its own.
3:22
